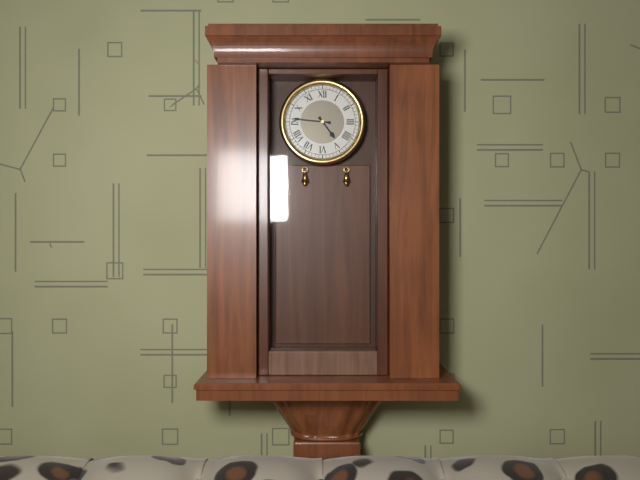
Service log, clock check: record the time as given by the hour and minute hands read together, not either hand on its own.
4:46
